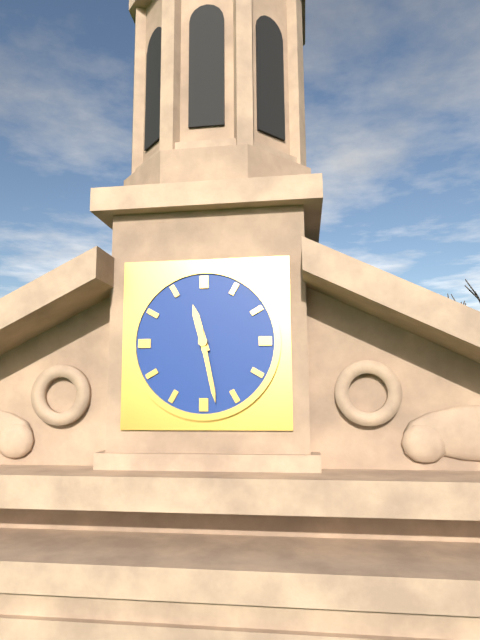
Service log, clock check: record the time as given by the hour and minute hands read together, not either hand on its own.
11:28
